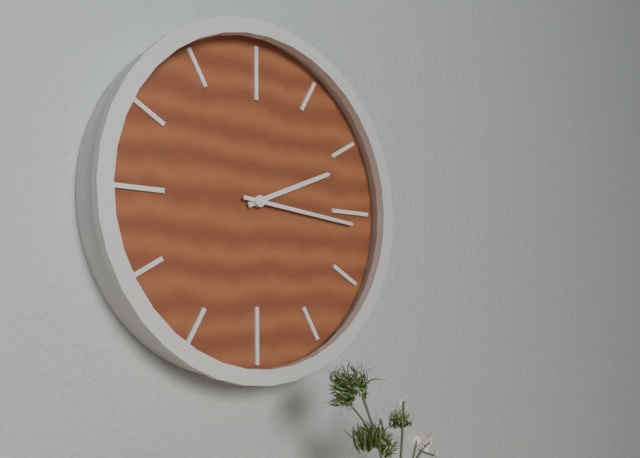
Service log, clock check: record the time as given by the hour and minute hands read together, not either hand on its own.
2:16
